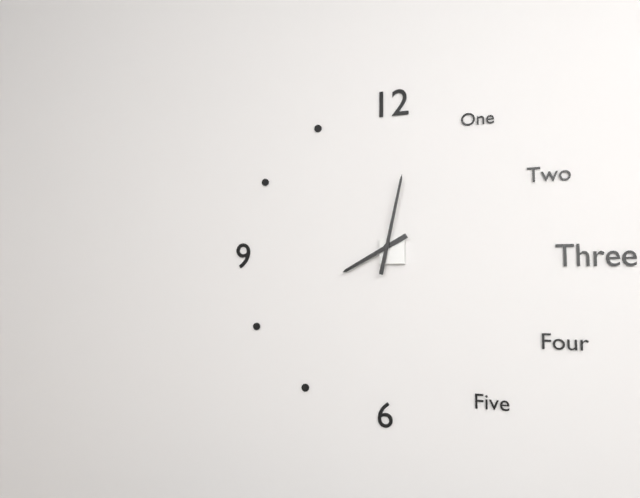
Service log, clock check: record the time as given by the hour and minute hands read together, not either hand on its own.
8:02
